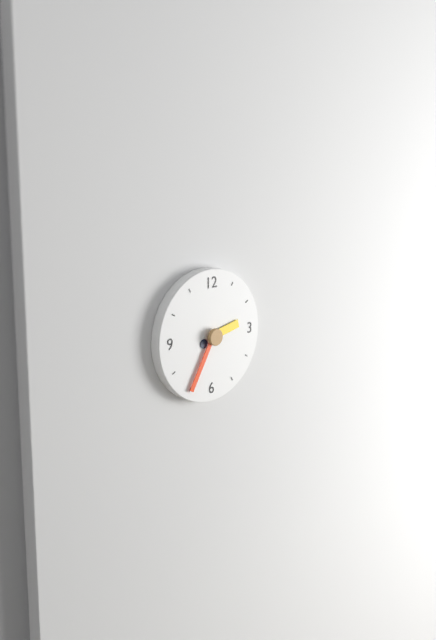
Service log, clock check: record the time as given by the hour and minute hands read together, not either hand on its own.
2:35
